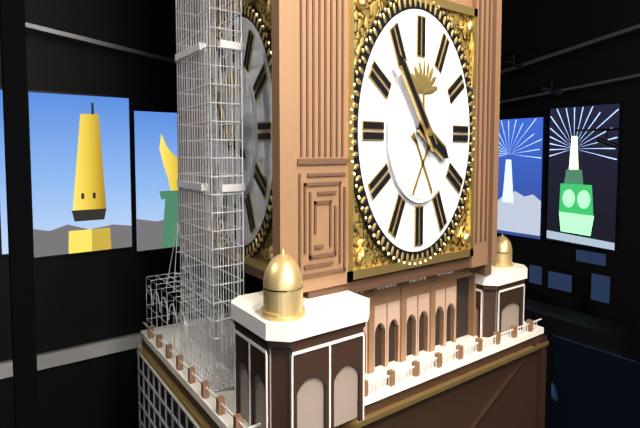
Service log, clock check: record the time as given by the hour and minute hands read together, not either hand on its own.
3:53
